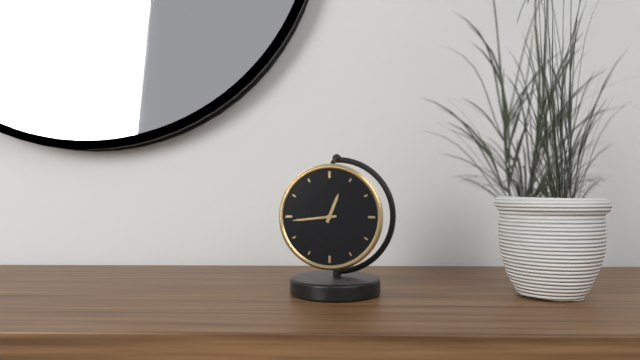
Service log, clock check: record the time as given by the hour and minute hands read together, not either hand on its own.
12:44
